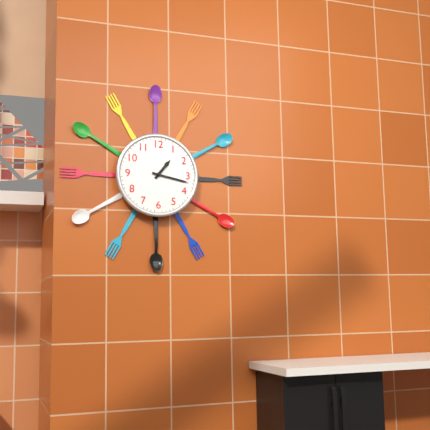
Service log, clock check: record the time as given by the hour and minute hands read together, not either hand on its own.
1:17
